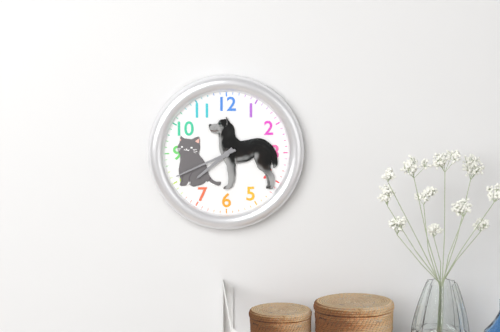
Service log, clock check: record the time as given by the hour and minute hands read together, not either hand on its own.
7:41
